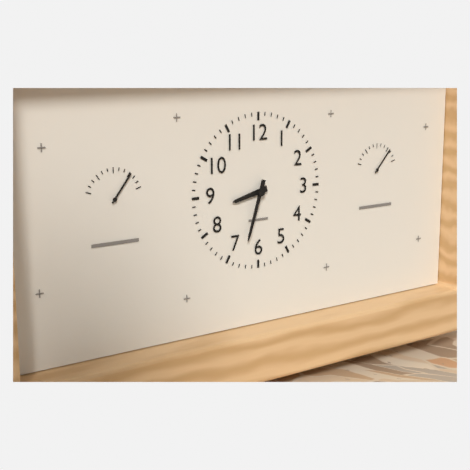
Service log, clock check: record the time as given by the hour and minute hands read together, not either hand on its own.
8:33
